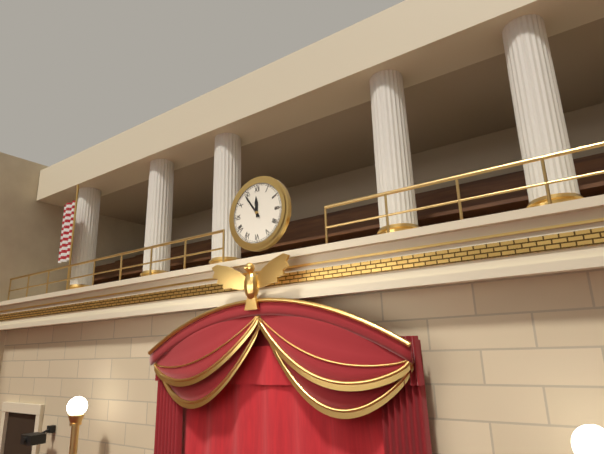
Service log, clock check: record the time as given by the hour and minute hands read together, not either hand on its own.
11:54
